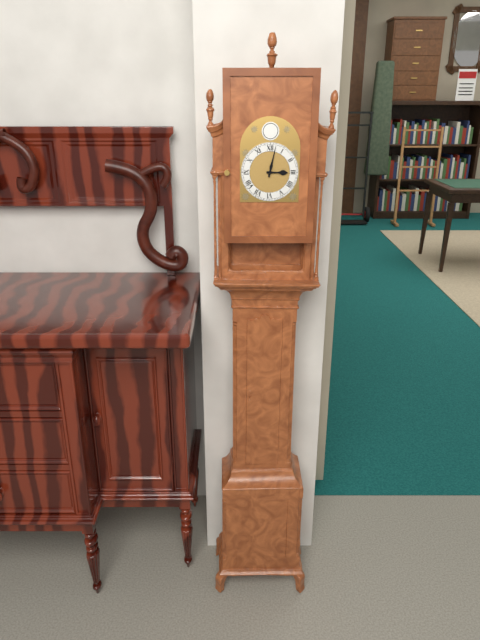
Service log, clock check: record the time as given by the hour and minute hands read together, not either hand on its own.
3:02
